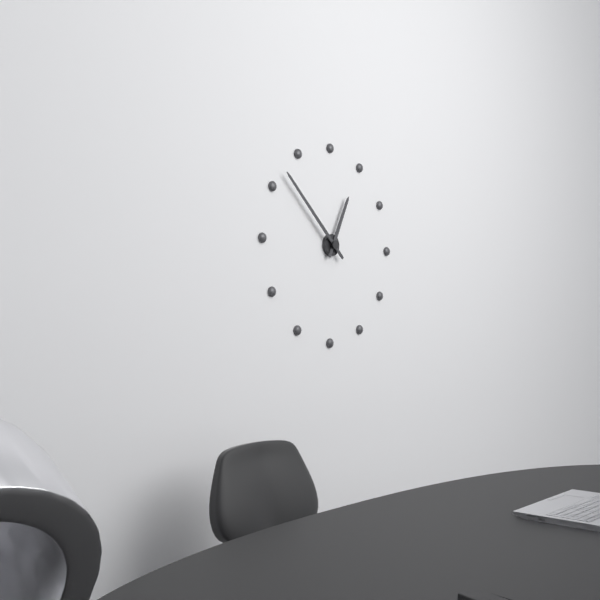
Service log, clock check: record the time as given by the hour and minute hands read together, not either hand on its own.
12:52
